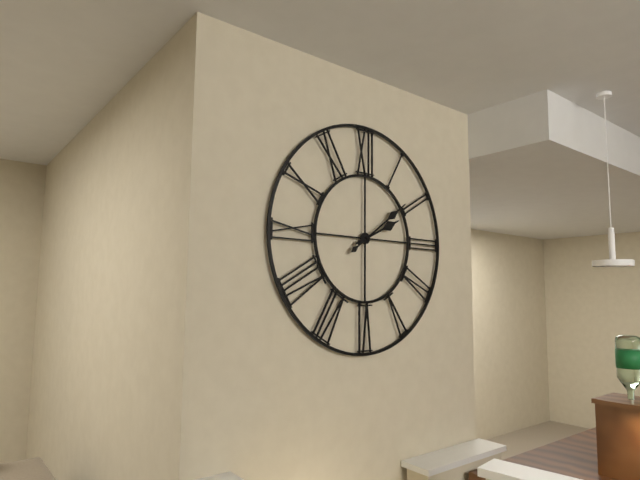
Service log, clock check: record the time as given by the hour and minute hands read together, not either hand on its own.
2:09
